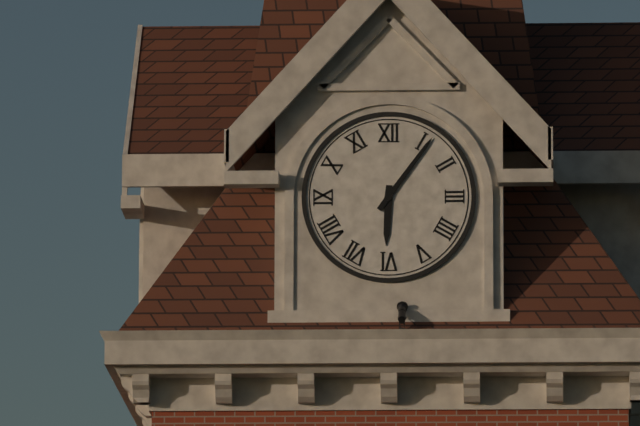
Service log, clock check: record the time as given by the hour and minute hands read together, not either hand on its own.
6:06
